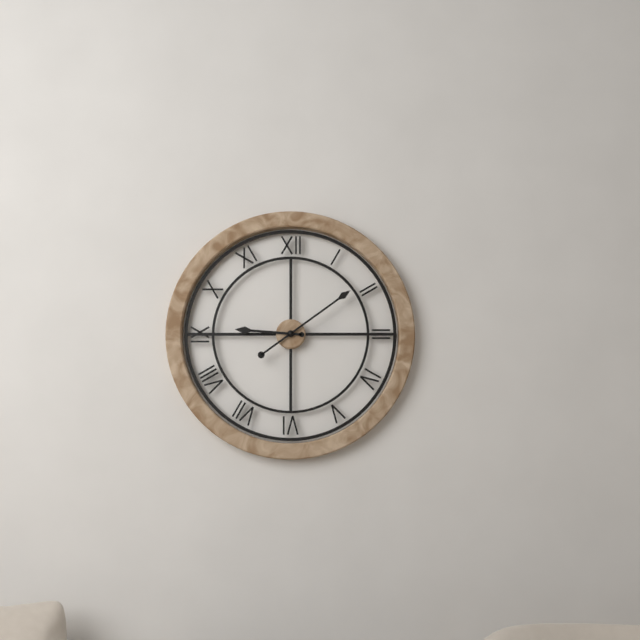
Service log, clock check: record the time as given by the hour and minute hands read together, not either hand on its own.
9:09
